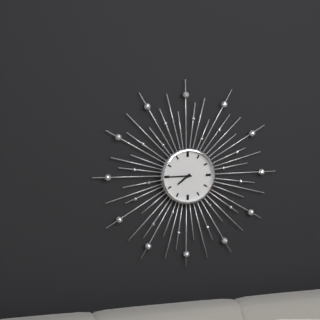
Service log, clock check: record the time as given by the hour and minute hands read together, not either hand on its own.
7:45
